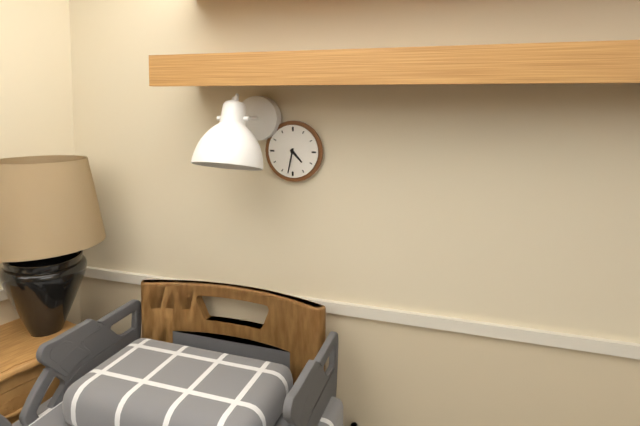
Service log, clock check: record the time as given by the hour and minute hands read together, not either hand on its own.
4:32
